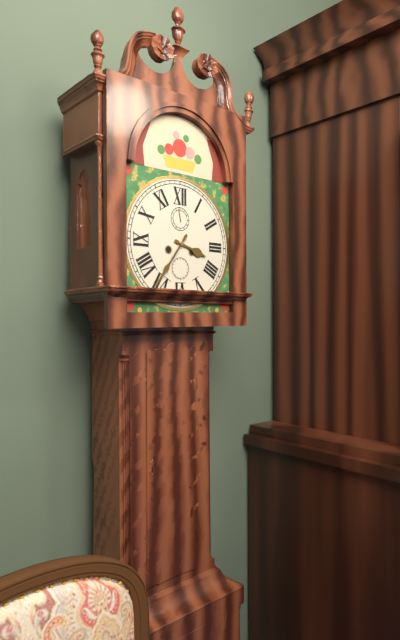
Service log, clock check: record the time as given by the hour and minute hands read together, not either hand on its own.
3:36
